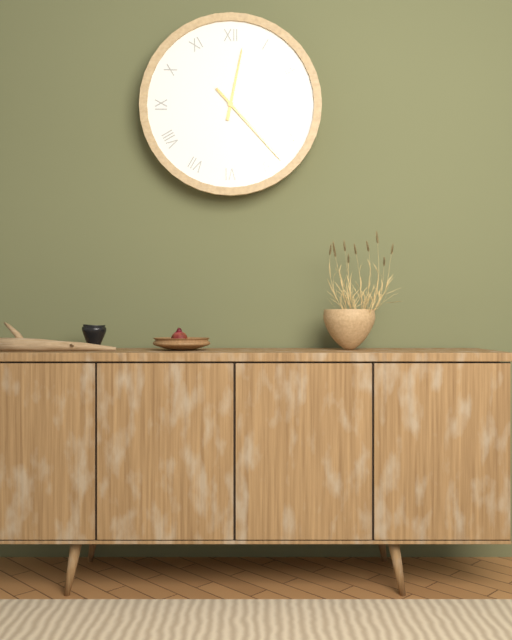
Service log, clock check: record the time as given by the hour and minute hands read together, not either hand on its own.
12:23
